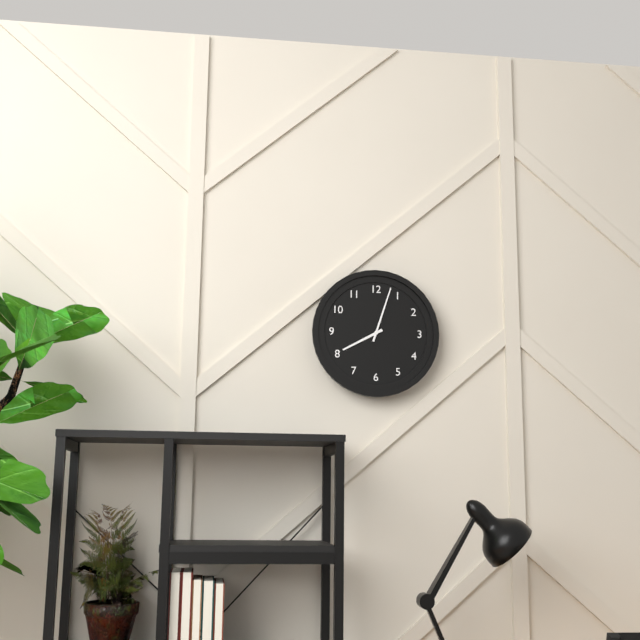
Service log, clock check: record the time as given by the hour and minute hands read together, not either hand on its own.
8:03
